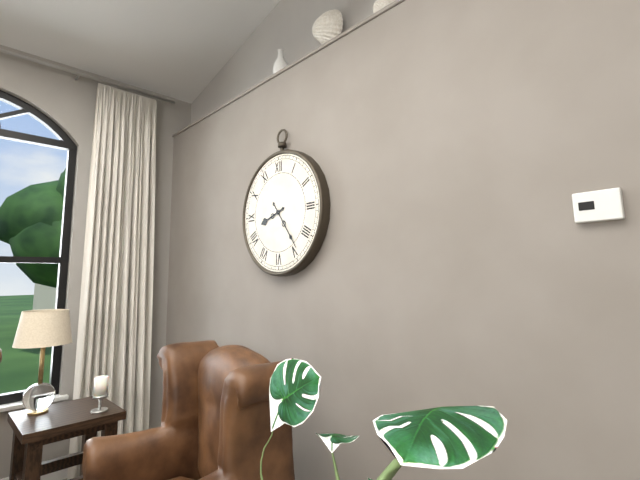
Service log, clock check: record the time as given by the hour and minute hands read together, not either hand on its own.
8:24
